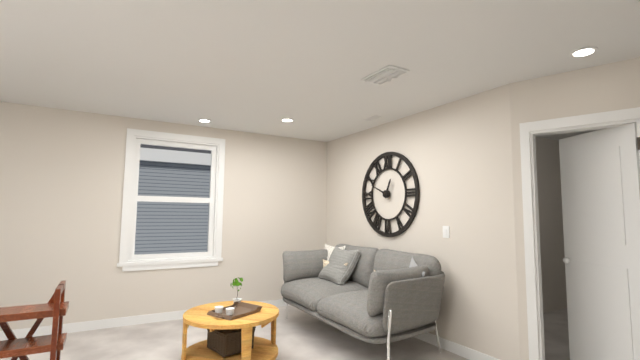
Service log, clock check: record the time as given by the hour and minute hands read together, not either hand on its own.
12:49
